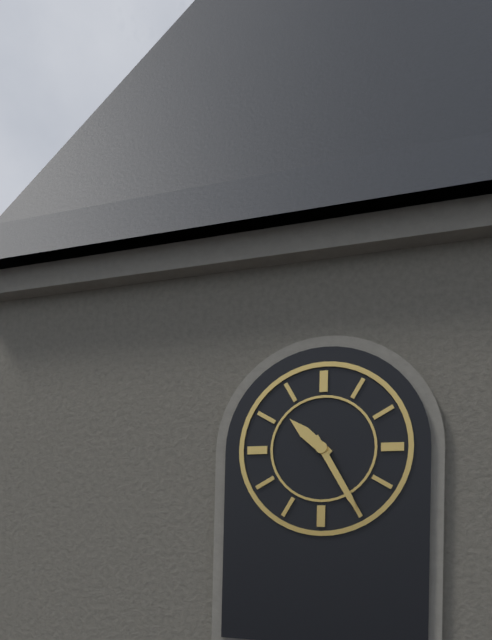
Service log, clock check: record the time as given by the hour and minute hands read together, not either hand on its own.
10:25
